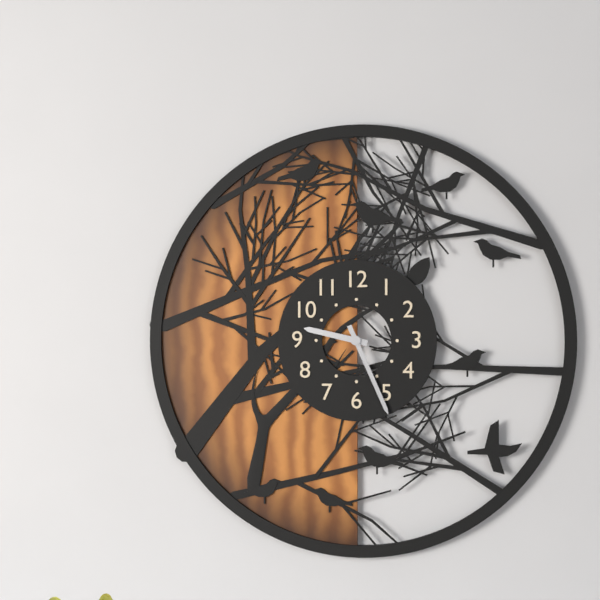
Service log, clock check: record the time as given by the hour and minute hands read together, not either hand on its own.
9:26
